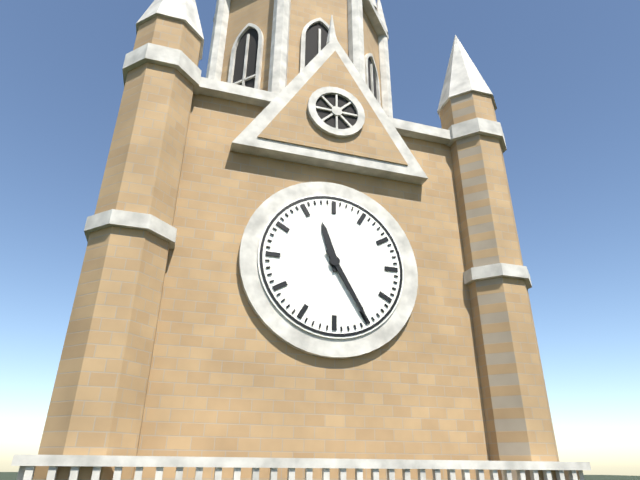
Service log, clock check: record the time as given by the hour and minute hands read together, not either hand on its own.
11:25
